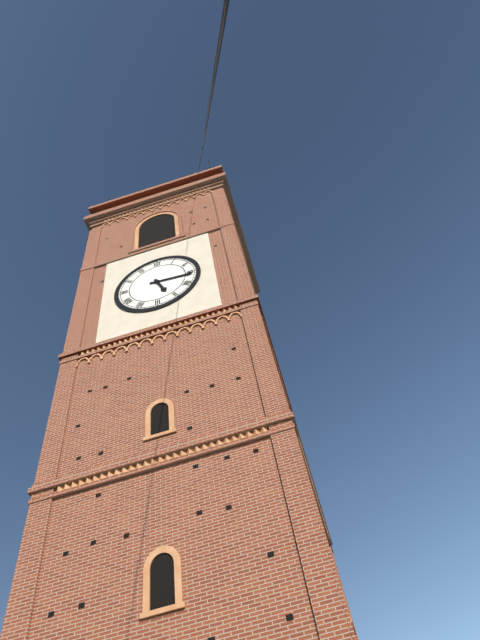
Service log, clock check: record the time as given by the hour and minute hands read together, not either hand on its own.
5:16
